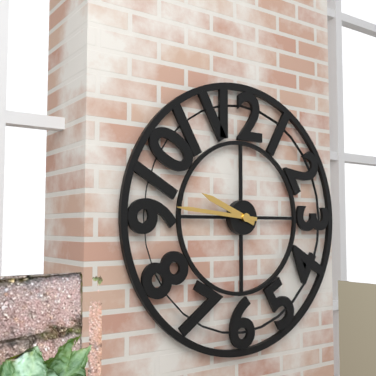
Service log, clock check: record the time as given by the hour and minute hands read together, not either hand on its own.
9:46
